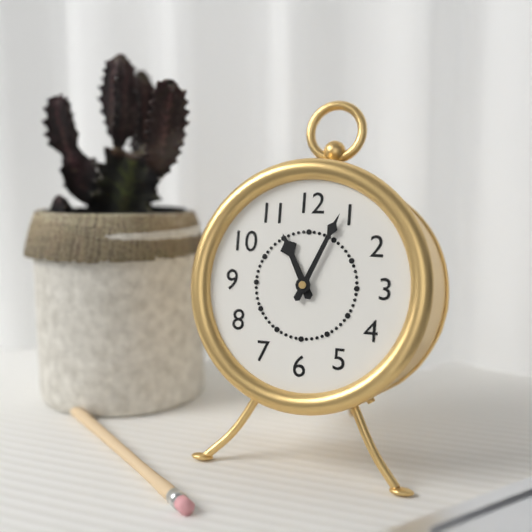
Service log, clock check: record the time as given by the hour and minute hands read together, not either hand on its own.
11:04
